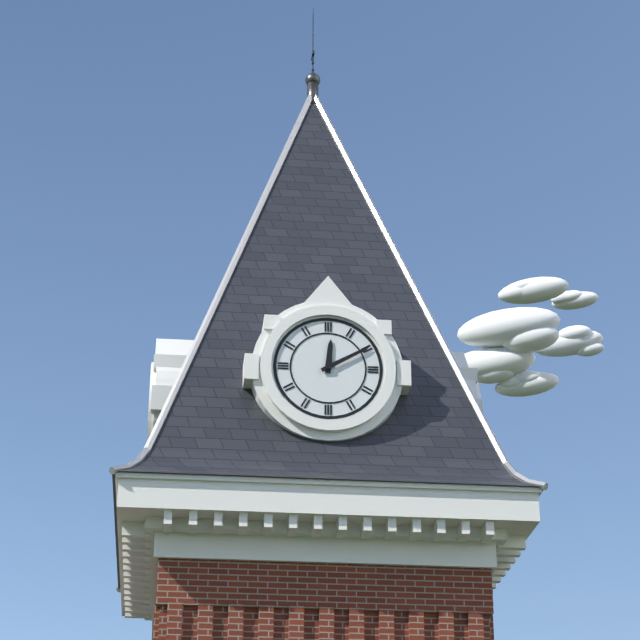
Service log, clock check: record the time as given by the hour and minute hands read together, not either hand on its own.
12:10
